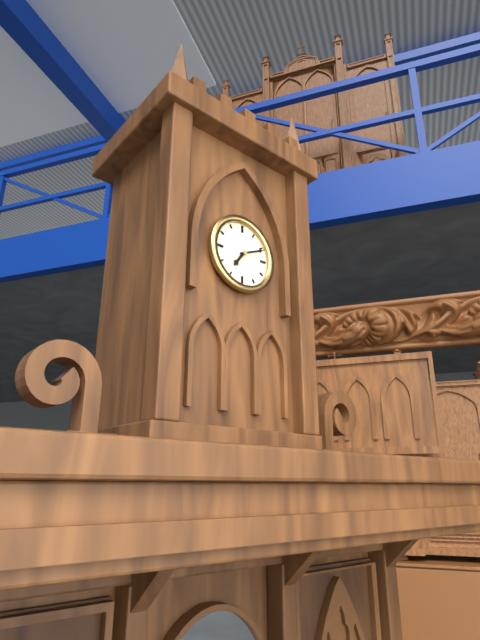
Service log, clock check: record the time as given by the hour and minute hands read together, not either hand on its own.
7:11
